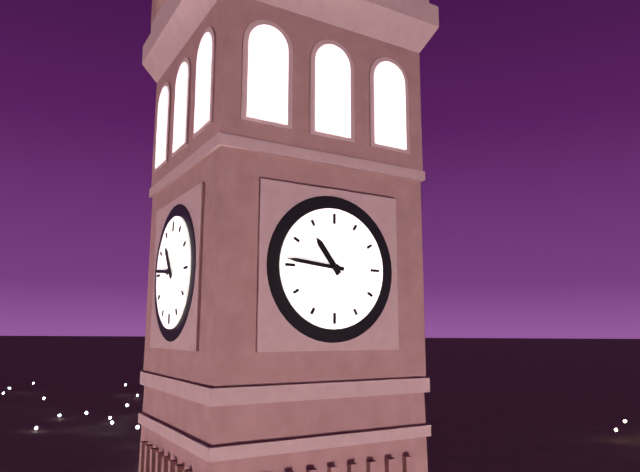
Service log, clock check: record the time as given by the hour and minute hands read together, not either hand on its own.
10:46
